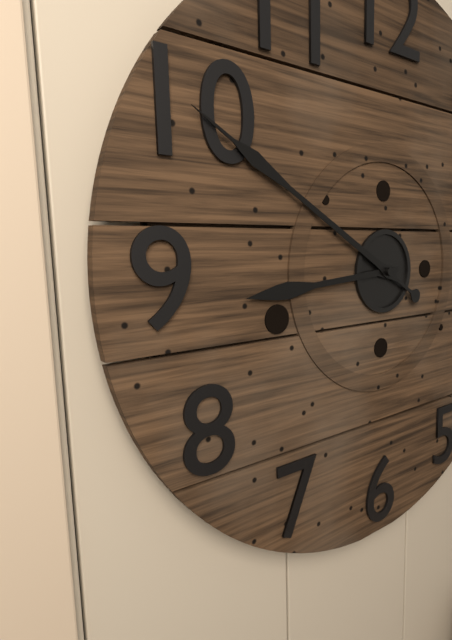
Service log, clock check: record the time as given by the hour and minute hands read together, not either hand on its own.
8:50
